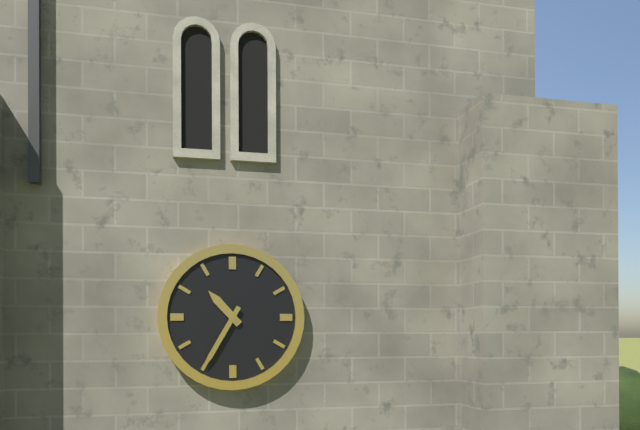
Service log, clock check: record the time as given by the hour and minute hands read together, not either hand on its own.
10:35
